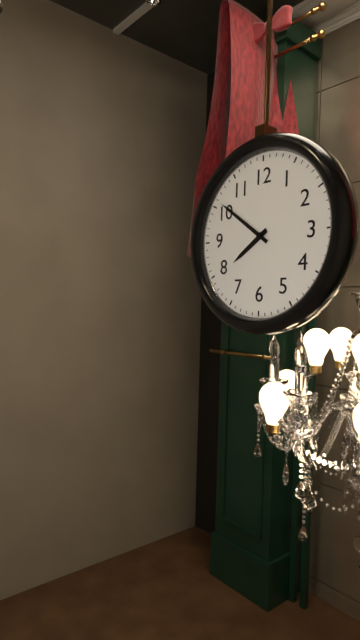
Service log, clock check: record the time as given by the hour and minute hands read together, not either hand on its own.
7:51
